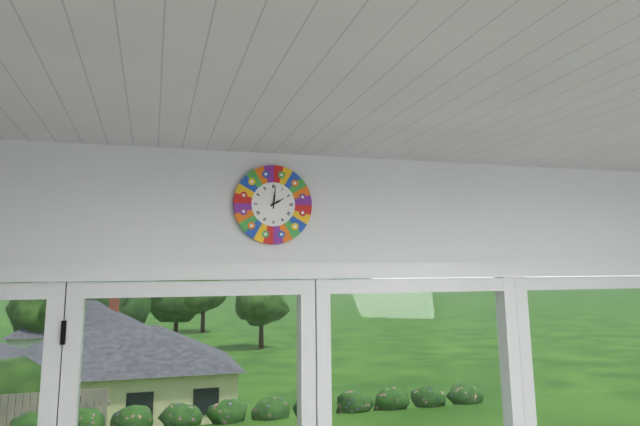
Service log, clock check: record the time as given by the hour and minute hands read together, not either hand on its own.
2:01
